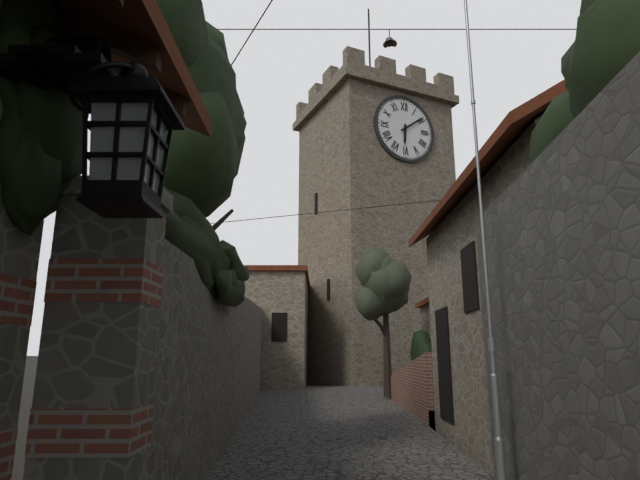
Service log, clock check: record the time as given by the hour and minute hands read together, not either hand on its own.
6:09
